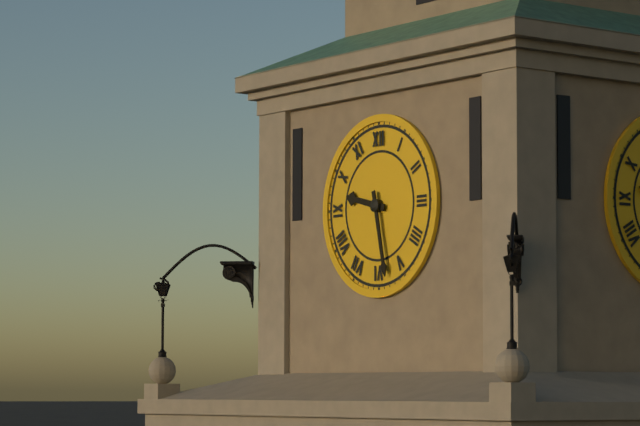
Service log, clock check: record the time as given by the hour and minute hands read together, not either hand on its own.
9:28
